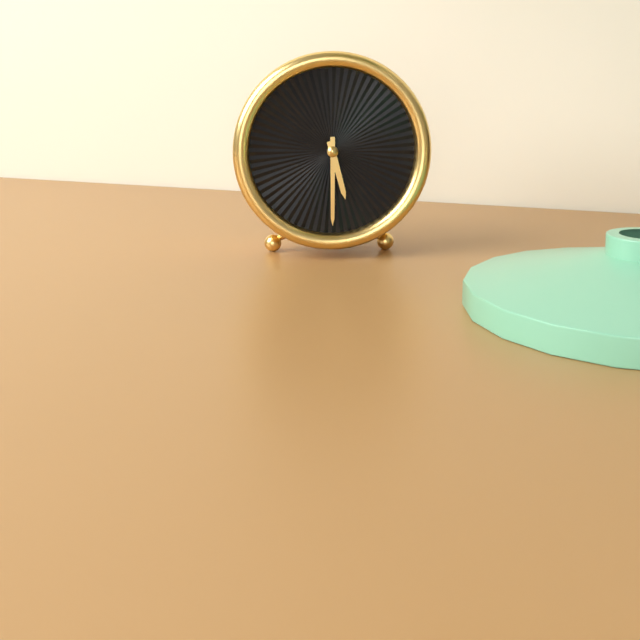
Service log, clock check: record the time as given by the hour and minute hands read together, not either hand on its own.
5:30
